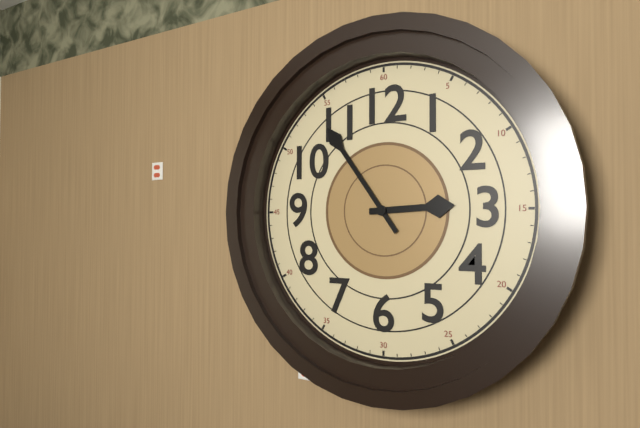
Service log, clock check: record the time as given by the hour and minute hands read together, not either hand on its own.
2:54
